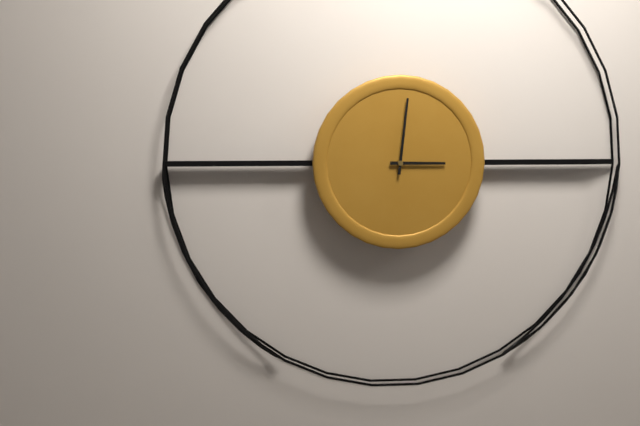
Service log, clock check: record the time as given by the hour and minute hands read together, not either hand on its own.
3:01
